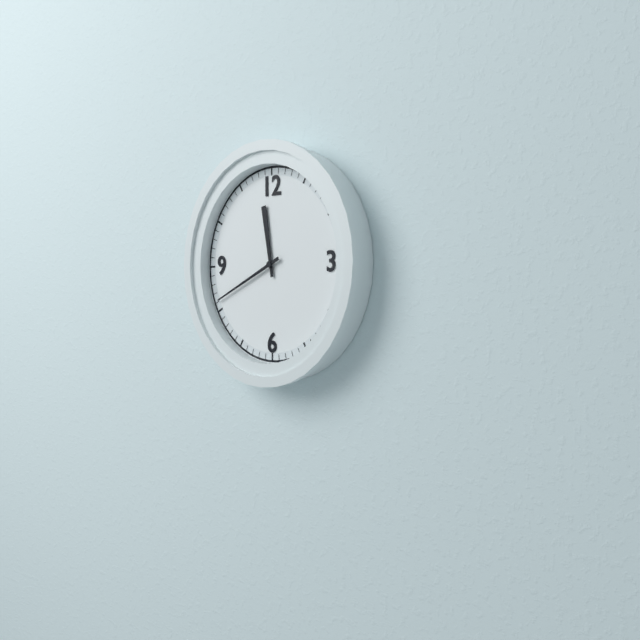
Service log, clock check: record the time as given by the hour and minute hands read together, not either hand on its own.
11:41
